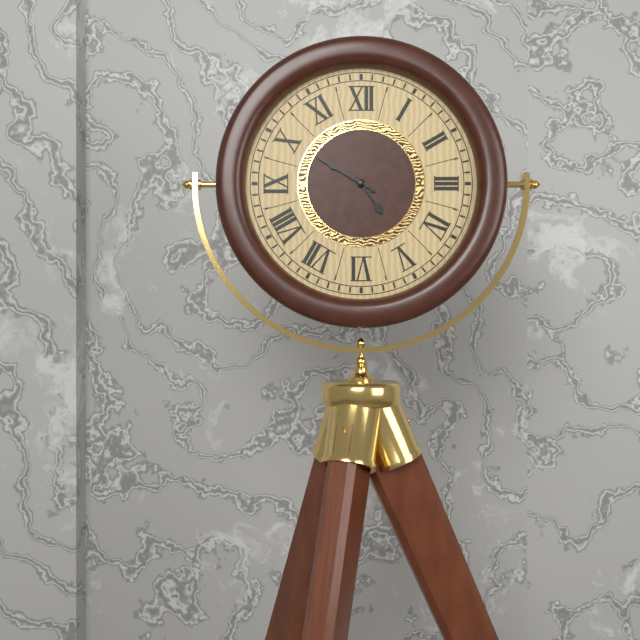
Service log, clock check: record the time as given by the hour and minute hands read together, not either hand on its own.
4:50
